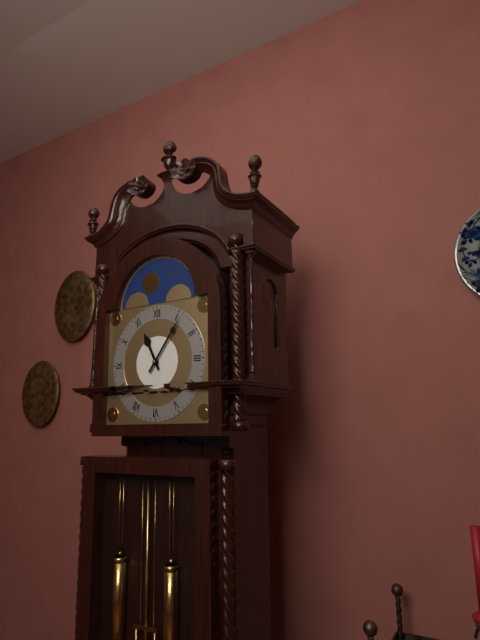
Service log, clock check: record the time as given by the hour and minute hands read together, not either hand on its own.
11:06
